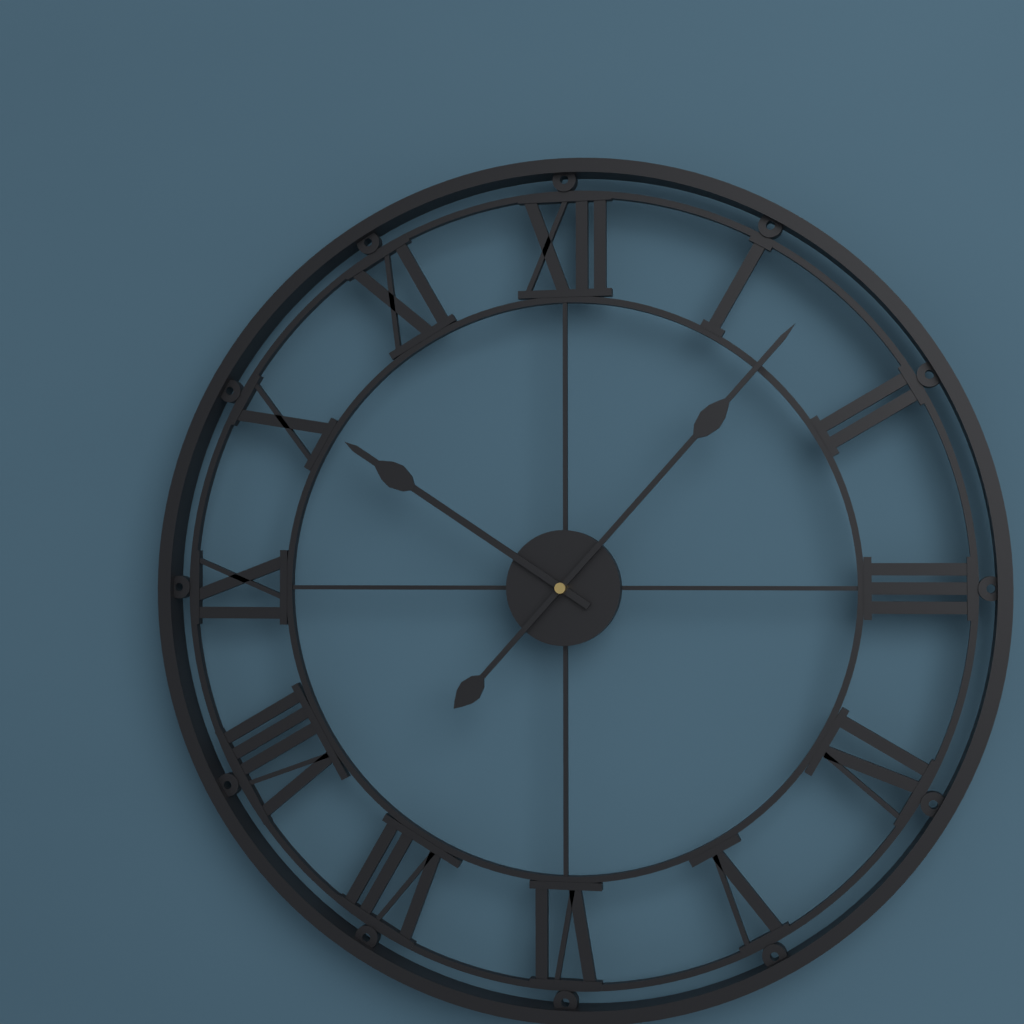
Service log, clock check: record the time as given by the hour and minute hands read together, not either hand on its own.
10:07
